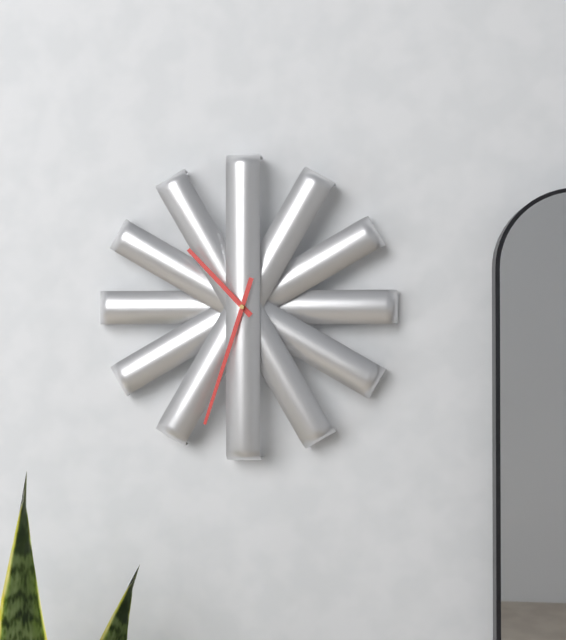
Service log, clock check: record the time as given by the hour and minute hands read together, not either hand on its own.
10:33
